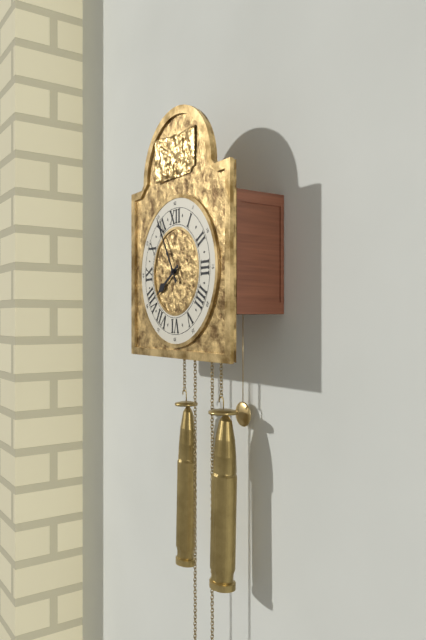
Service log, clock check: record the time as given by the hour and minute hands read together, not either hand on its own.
7:55
